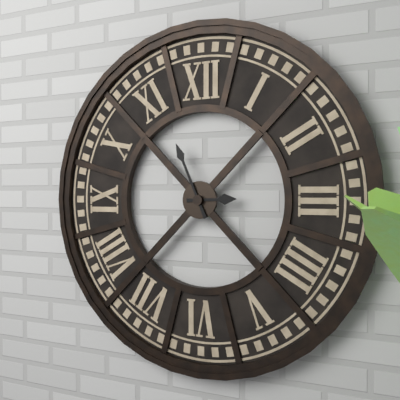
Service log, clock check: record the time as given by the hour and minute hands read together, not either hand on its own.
2:56
